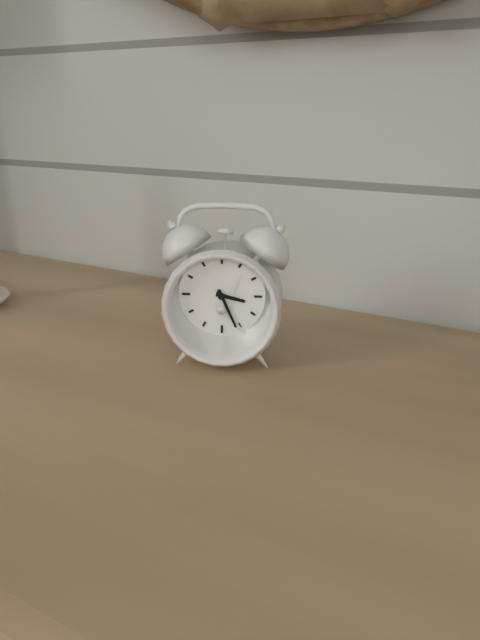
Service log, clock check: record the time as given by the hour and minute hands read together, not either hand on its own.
3:26
